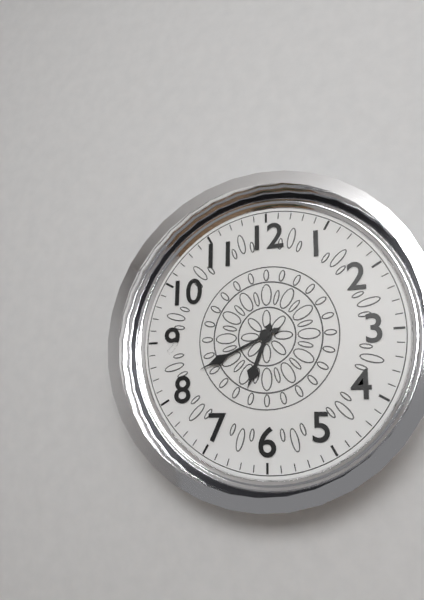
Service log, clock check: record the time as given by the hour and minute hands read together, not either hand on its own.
6:41
